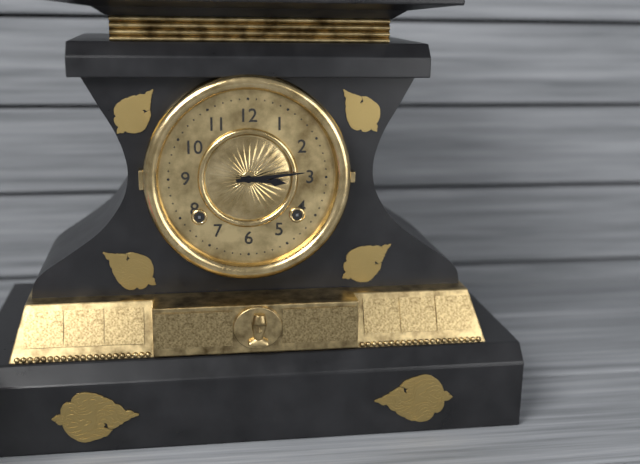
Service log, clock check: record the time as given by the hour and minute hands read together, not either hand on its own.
3:14
